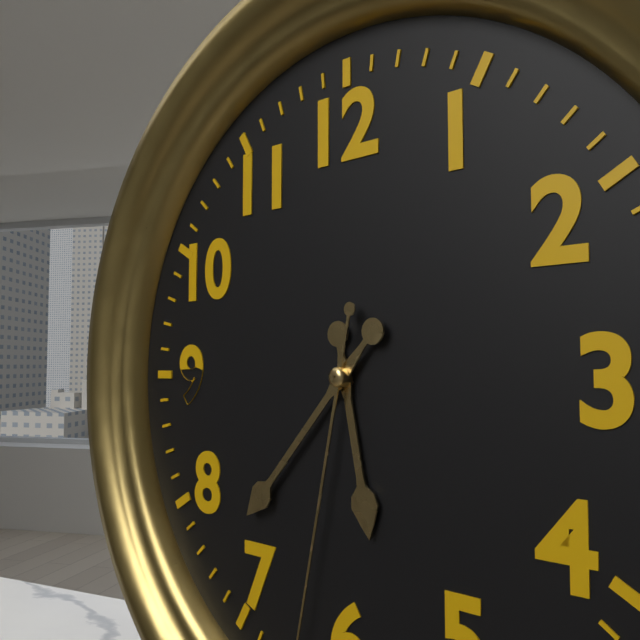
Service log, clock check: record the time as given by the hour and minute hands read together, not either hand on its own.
5:37
